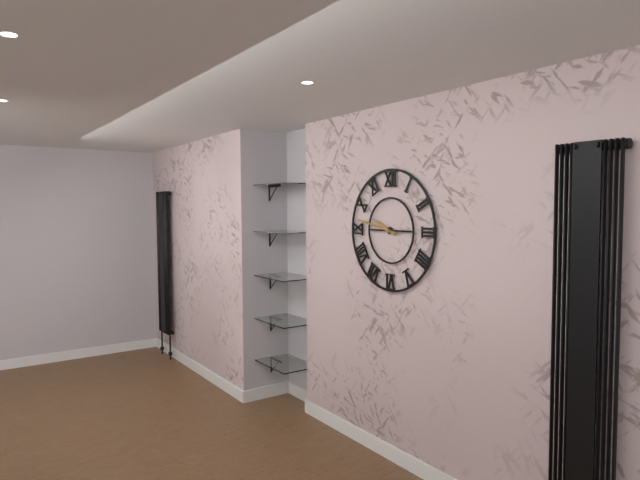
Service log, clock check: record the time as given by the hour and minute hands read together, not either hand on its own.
9:47
